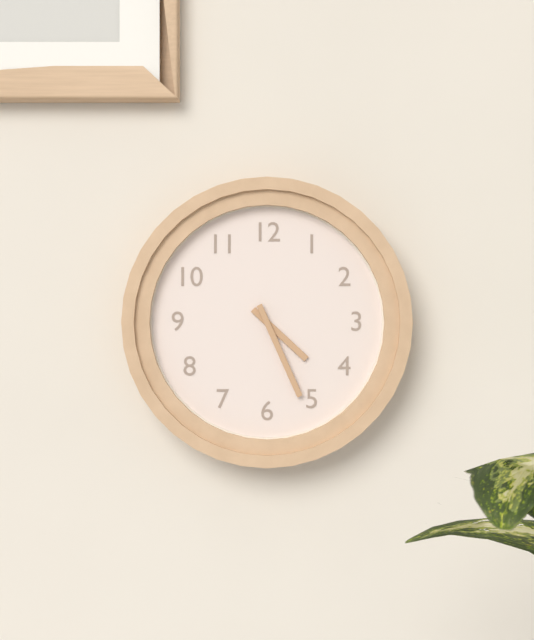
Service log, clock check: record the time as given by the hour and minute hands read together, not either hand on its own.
4:26
